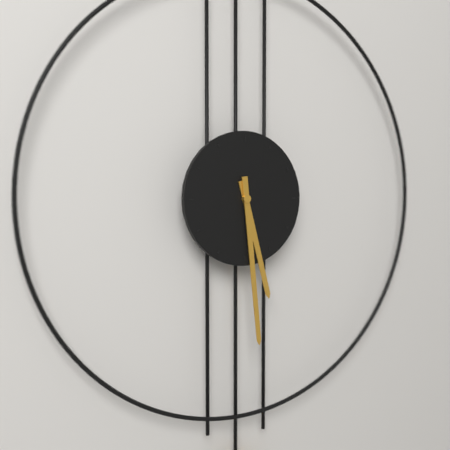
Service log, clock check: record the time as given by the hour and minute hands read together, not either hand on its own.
5:29
